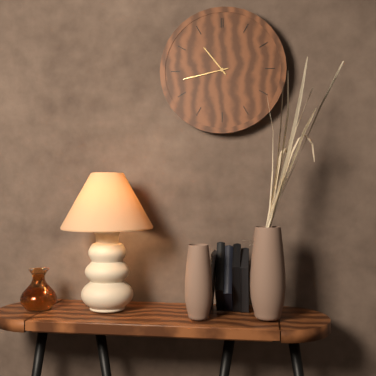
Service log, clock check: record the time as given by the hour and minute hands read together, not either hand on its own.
10:43
